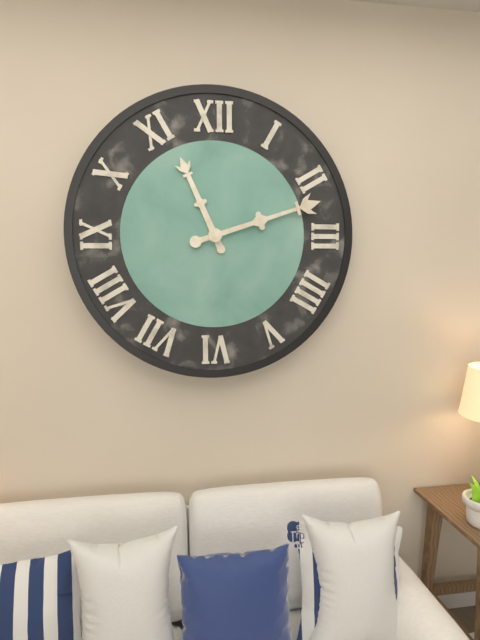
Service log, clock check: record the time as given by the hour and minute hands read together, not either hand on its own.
11:12
